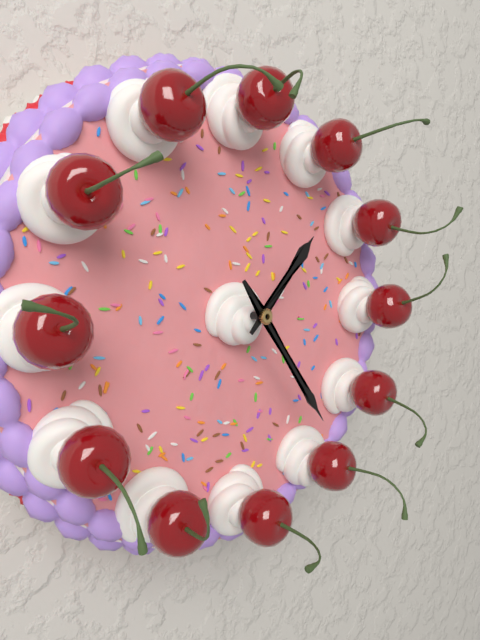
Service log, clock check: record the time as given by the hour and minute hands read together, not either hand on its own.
1:24
